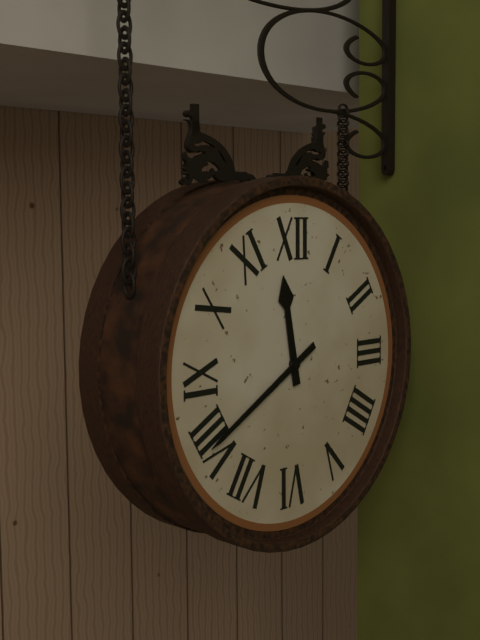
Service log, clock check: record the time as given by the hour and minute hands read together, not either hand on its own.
11:40
